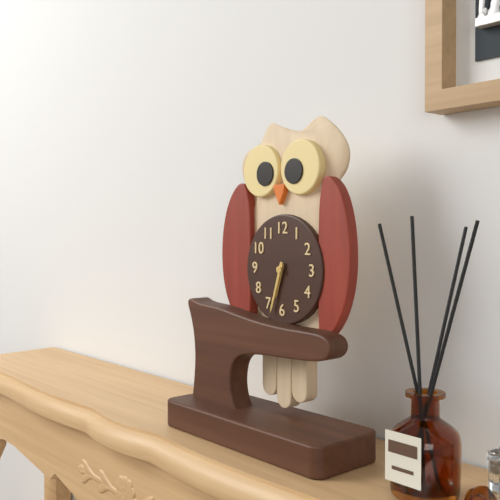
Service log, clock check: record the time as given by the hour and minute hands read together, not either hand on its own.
6:33
